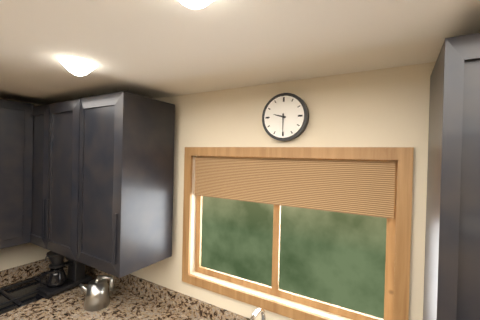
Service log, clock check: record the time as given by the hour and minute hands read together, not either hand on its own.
9:30
